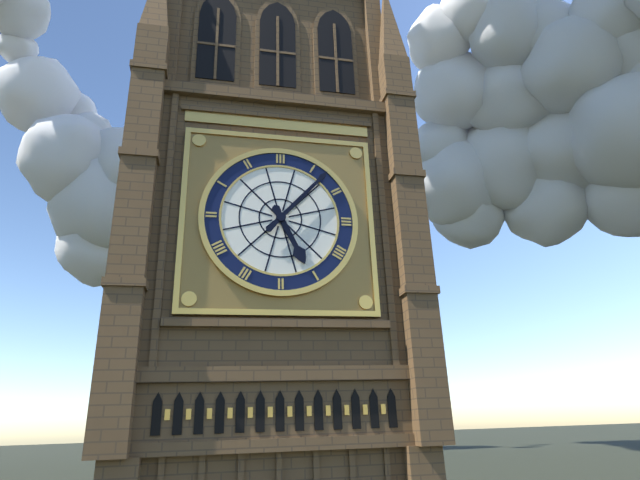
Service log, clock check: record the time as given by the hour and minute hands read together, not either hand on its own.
5:07
